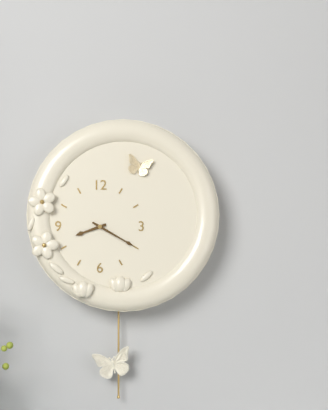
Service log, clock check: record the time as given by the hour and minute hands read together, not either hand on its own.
8:20
